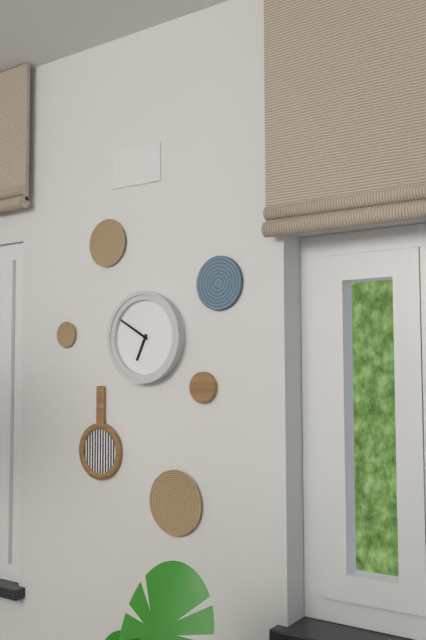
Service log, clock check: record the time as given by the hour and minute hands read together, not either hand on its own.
6:50
